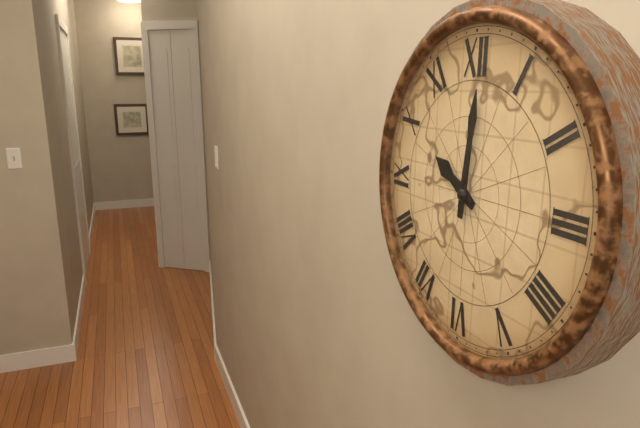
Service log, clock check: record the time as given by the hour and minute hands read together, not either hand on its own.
10:01
